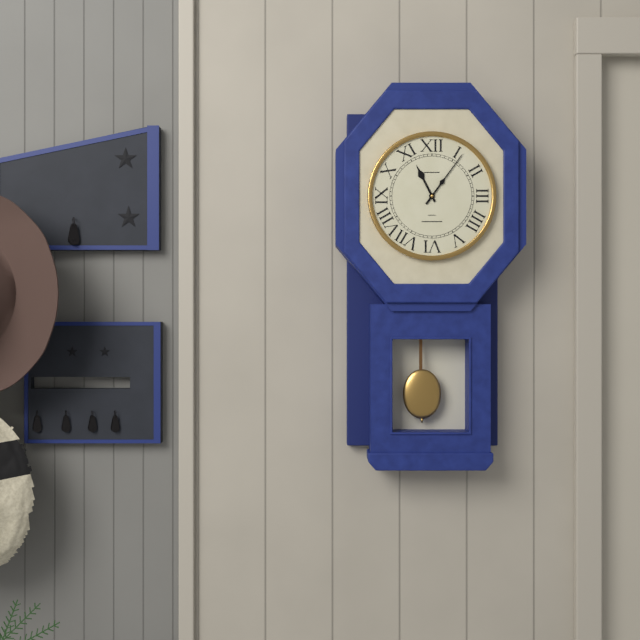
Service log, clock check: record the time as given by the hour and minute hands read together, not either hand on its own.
11:06
